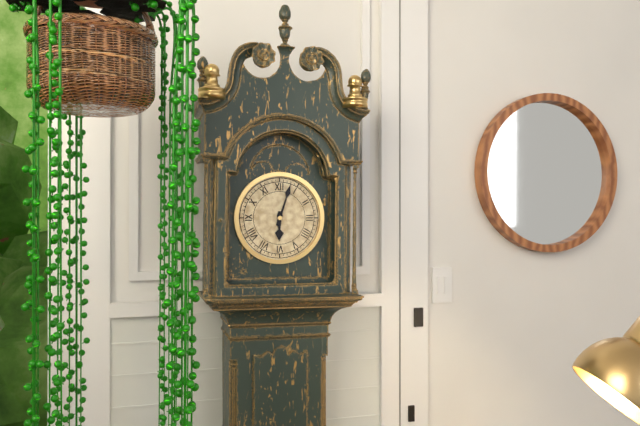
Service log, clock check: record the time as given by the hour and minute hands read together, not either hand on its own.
6:03
